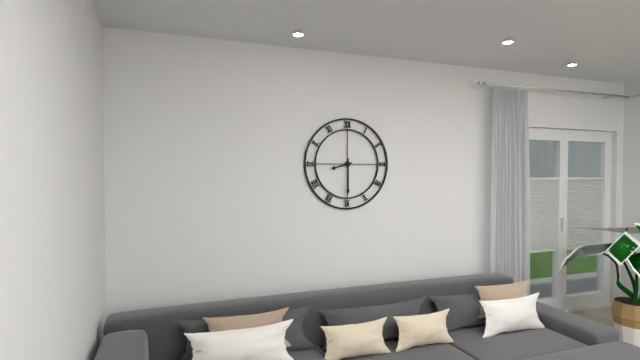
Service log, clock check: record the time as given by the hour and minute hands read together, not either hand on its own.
8:30
